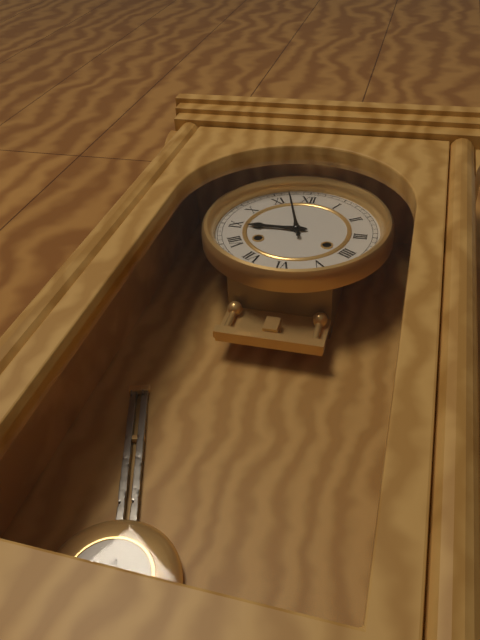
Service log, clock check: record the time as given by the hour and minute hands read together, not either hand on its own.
8:57
